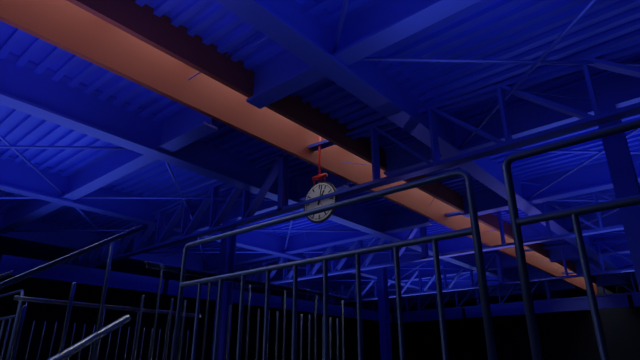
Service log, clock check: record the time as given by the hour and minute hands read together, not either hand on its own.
1:02
